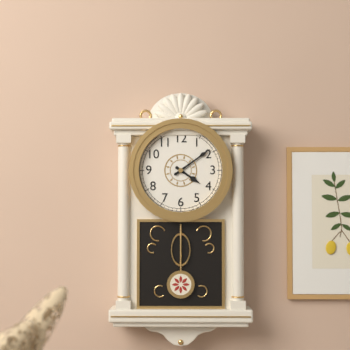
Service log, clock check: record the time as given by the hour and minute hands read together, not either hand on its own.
4:09
